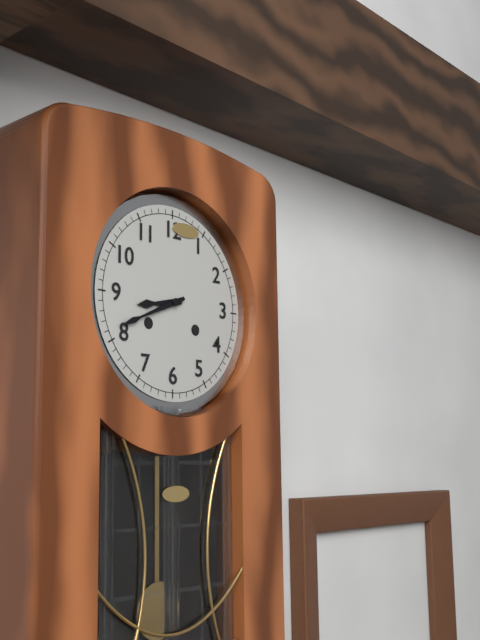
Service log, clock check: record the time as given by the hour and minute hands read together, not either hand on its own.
8:41
